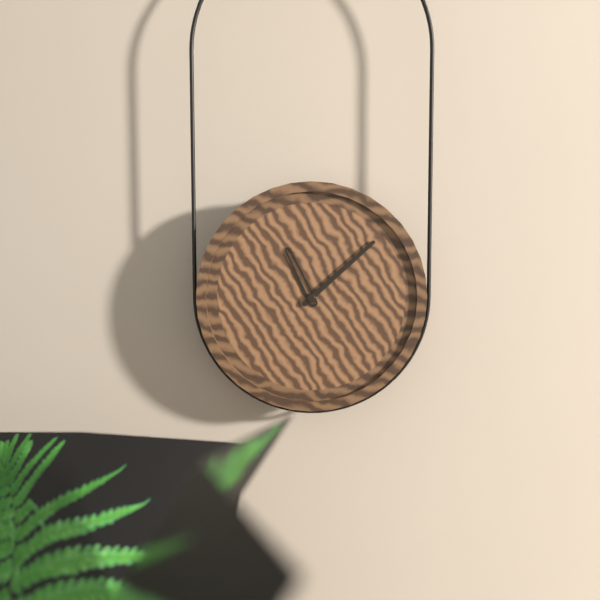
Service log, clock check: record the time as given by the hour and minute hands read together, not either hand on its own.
11:08
